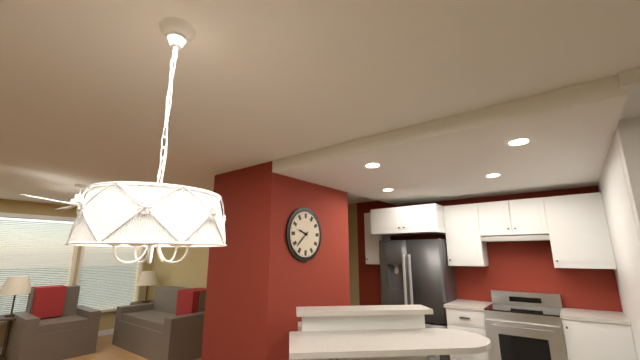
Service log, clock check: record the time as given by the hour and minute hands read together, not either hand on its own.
9:38
